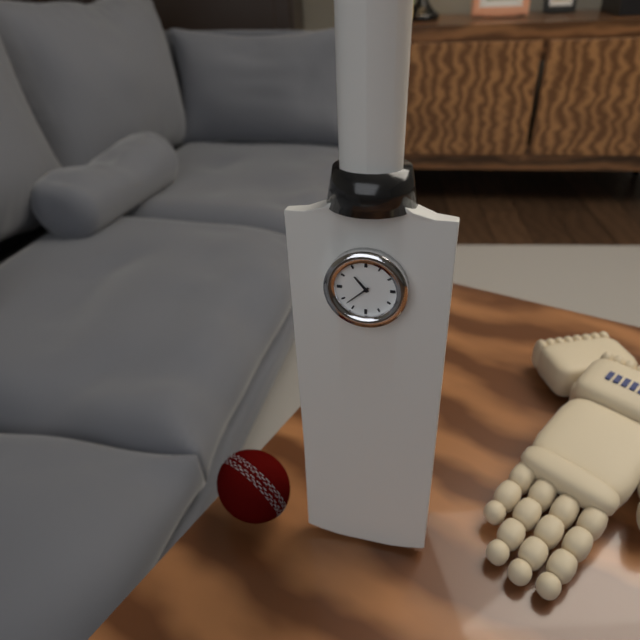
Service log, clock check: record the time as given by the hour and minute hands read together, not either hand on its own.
10:38
